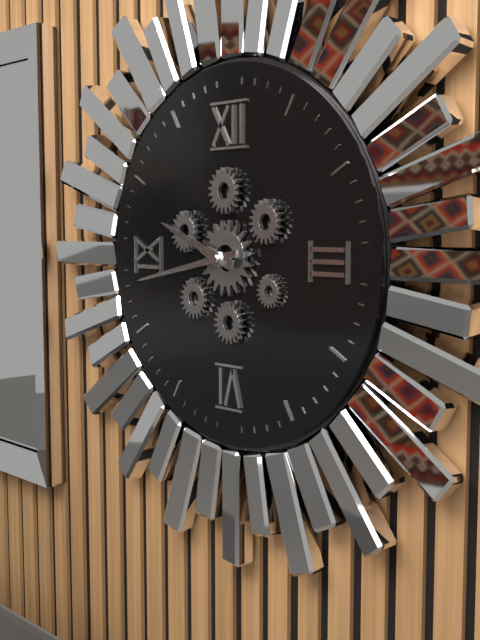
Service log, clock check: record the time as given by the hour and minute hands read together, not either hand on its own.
9:43
